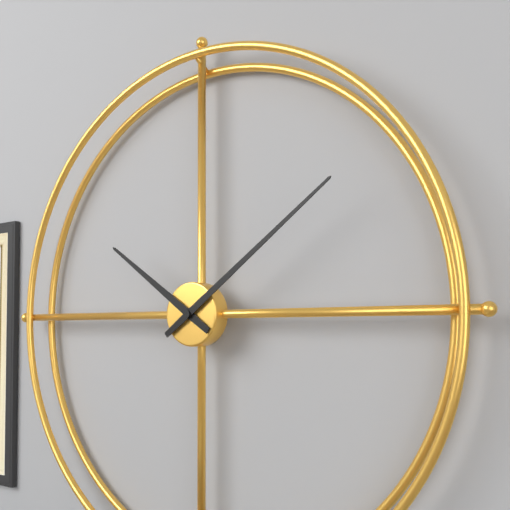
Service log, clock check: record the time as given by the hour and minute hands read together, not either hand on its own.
10:09
